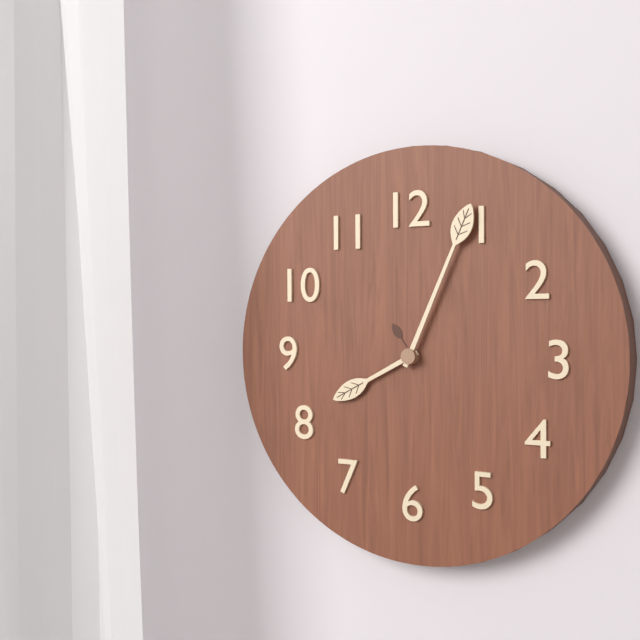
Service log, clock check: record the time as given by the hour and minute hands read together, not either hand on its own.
8:04
